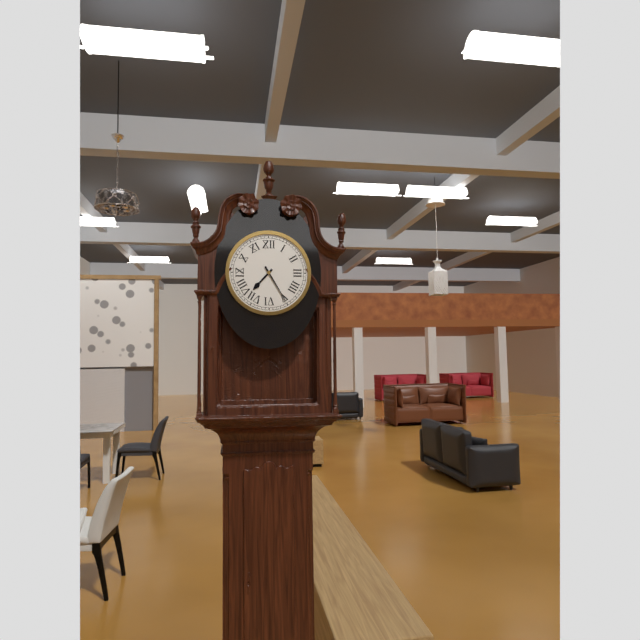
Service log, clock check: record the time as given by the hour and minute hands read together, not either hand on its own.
7:25
